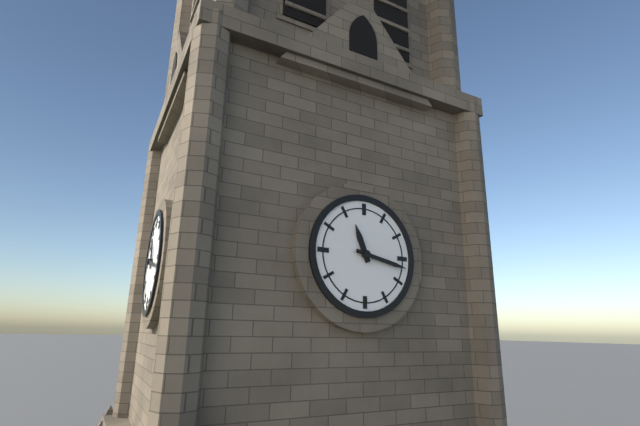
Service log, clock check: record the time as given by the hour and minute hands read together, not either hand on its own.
11:17
